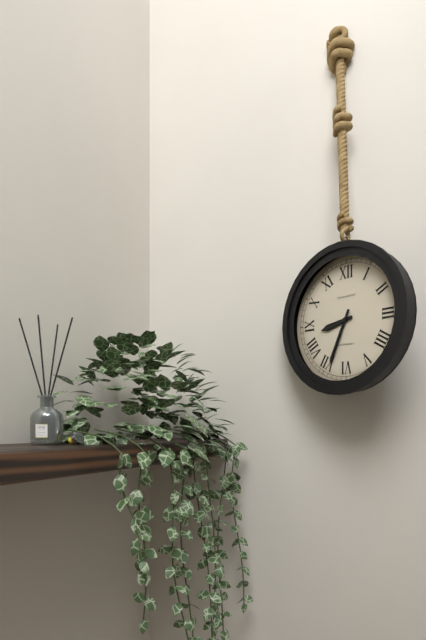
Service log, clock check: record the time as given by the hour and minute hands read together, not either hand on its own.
8:34
